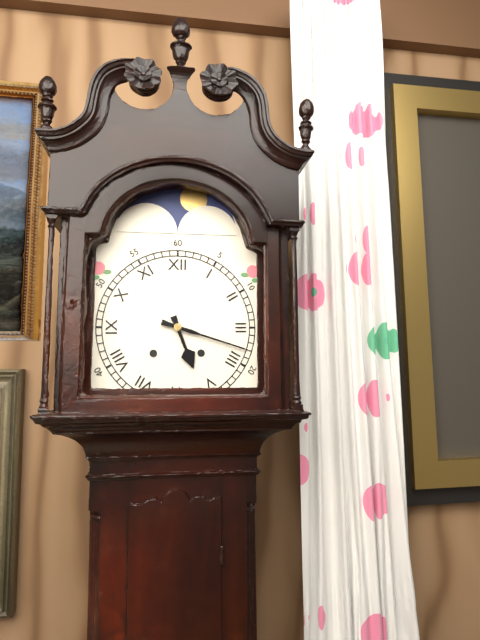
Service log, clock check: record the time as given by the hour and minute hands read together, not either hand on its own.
5:18
